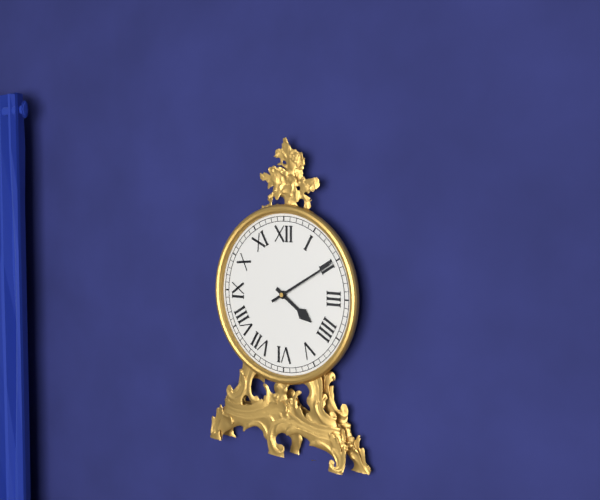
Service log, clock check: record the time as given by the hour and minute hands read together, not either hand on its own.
4:10
